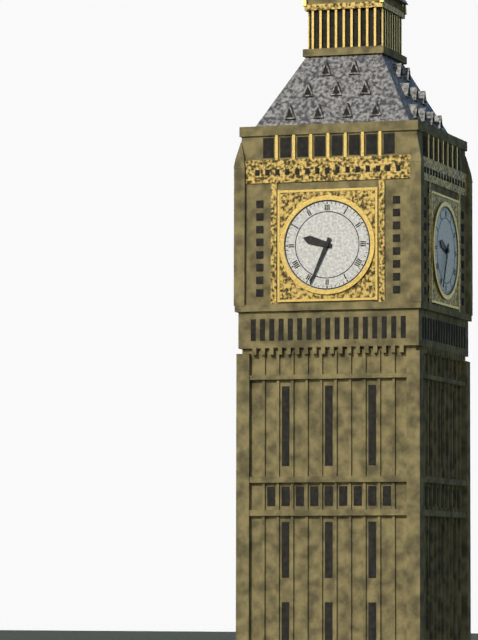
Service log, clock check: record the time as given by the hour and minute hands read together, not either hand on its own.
9:34
